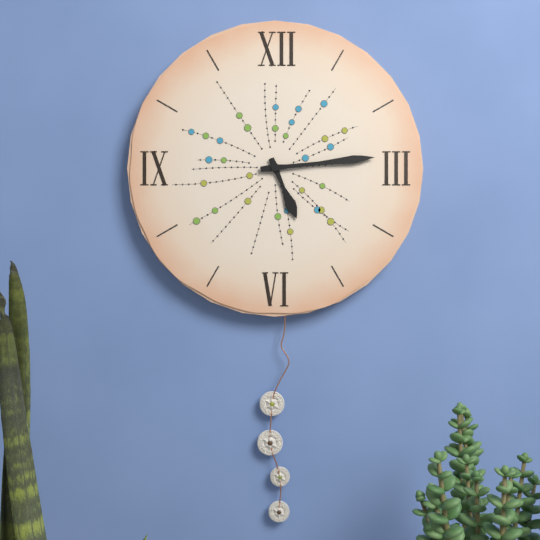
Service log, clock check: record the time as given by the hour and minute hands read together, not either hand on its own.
5:14
